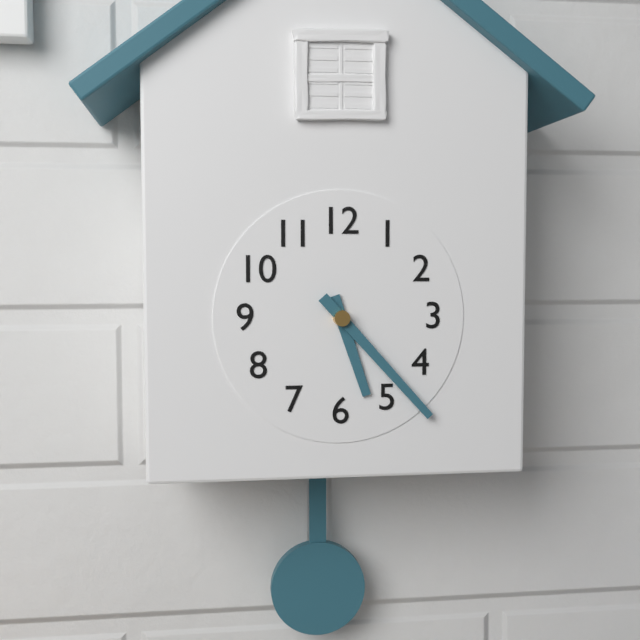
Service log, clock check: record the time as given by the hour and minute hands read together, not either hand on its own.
5:23
